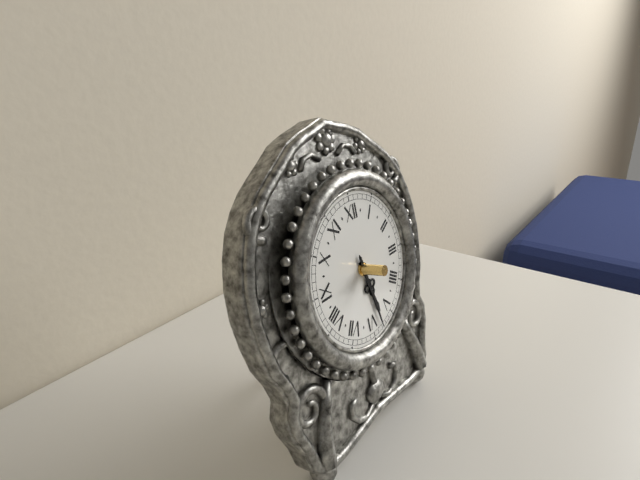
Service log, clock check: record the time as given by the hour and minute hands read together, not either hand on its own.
5:28
